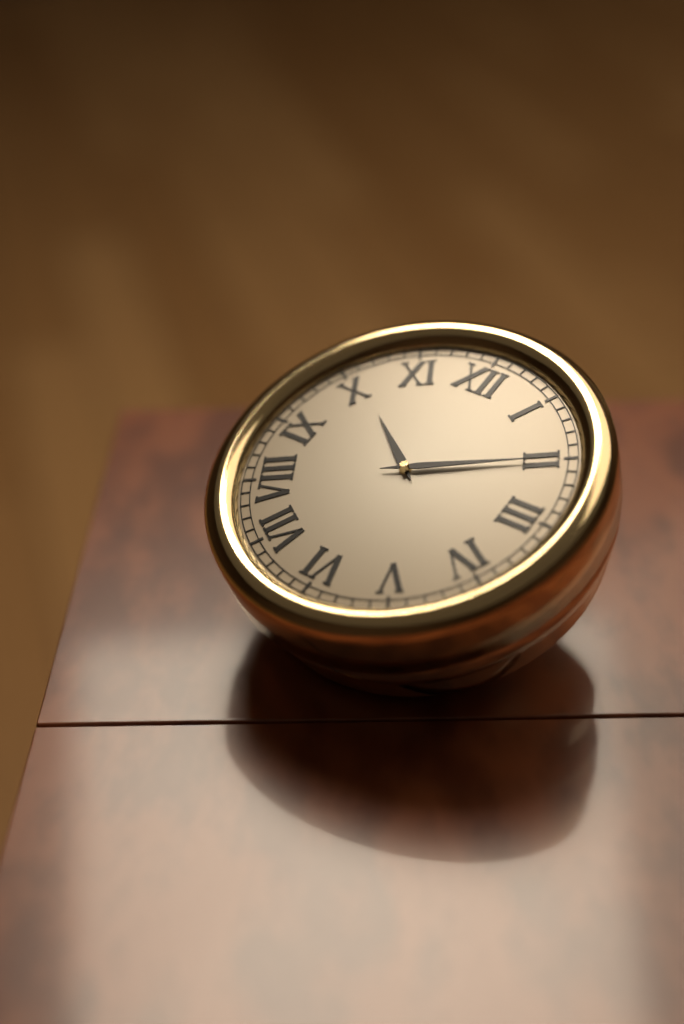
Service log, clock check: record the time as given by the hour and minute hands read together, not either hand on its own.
10:10
